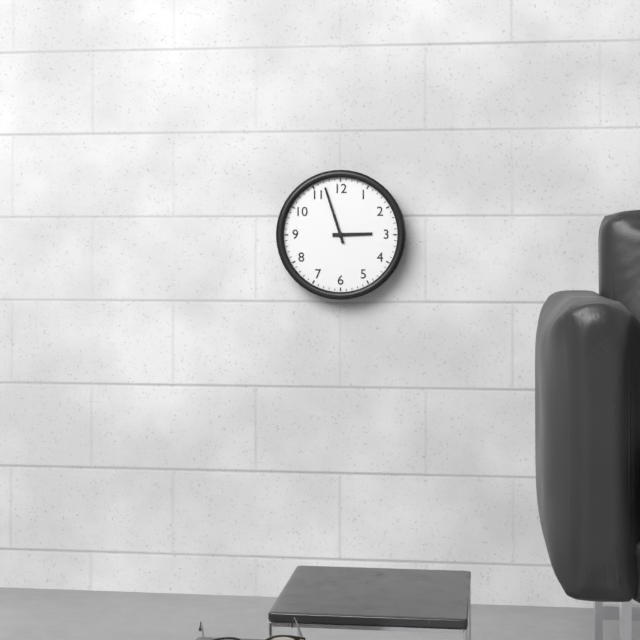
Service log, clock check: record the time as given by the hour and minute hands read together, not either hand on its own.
2:57
